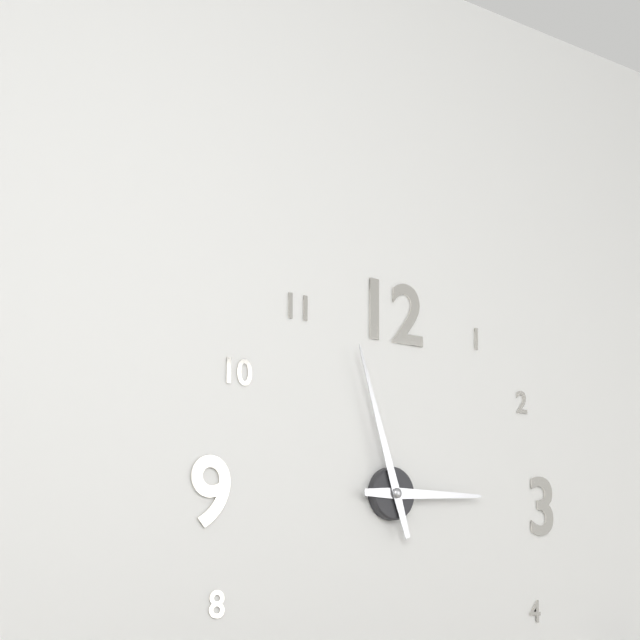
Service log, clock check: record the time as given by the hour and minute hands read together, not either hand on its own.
2:57
